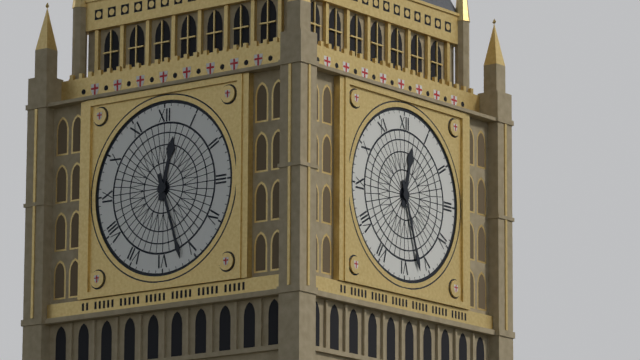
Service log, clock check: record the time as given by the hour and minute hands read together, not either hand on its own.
12:27
